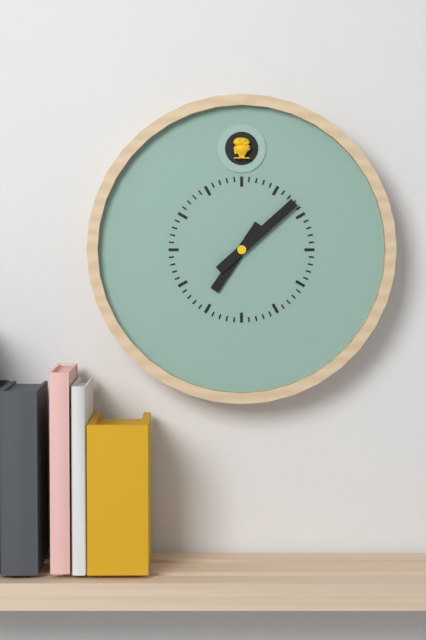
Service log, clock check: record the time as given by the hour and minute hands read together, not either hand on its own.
7:08
